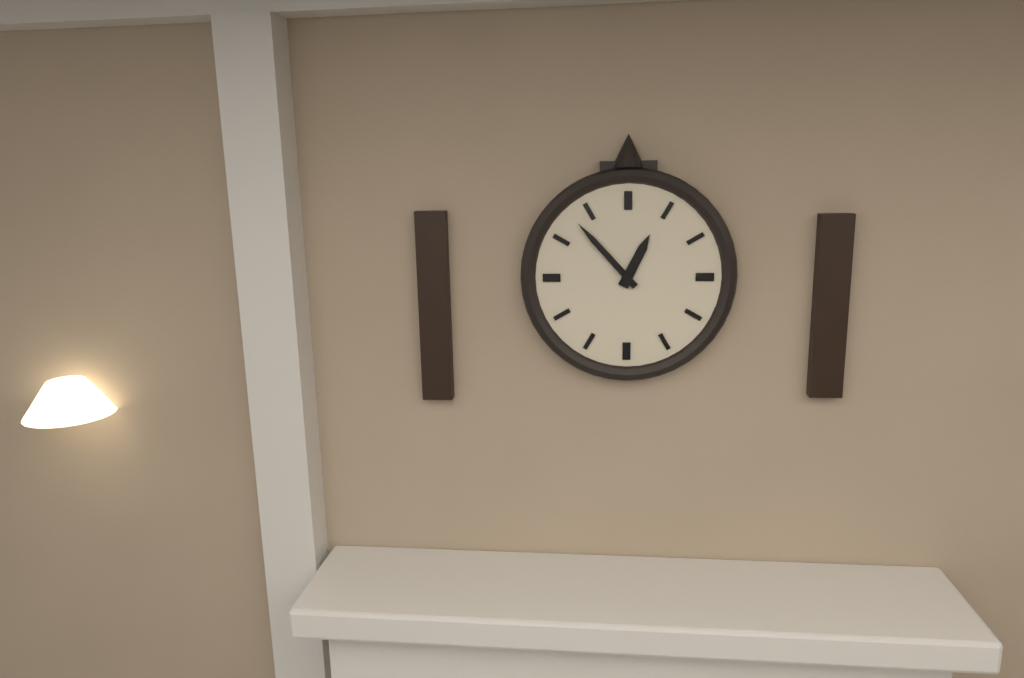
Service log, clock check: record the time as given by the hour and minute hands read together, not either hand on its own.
12:53
